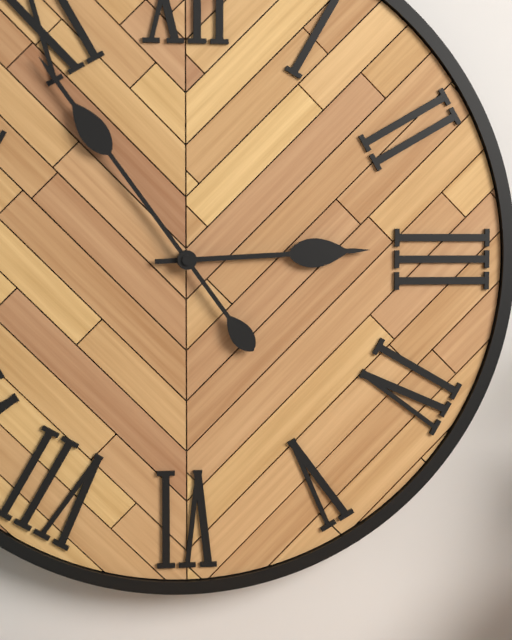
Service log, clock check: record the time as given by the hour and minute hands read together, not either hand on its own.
2:54
